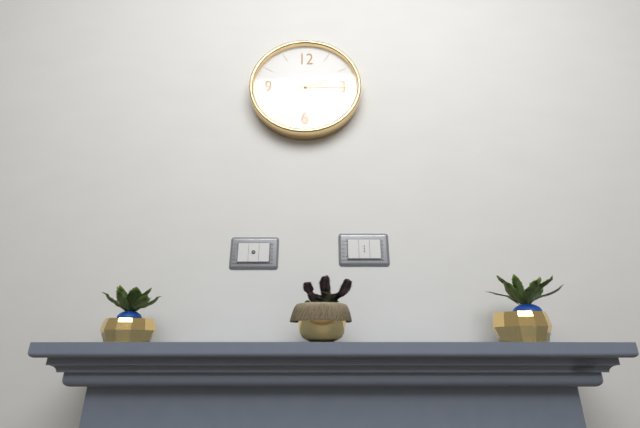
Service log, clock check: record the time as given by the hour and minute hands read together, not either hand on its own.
2:15
